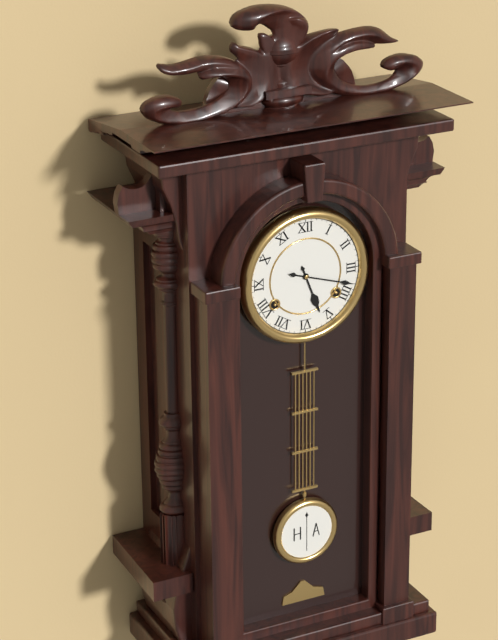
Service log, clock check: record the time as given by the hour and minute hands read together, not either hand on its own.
5:18
